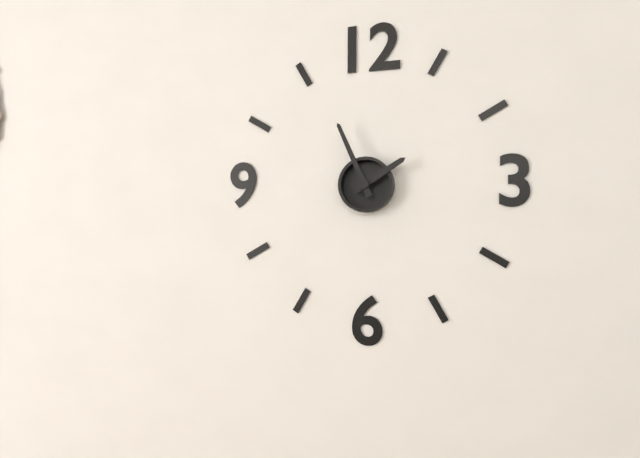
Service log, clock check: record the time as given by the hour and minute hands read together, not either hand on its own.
1:56
